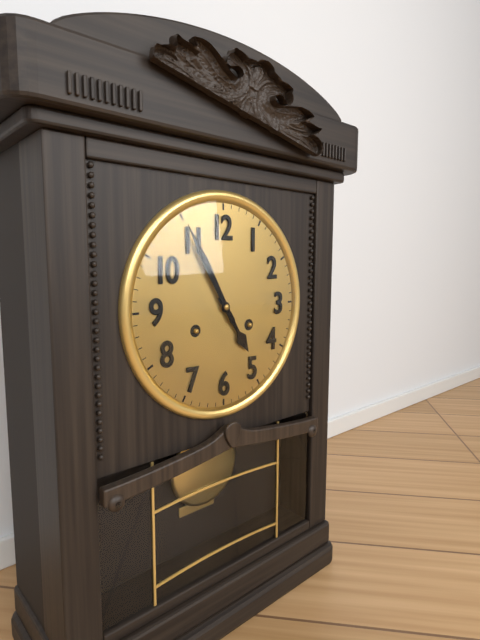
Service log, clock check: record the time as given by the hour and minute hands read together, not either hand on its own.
4:55
